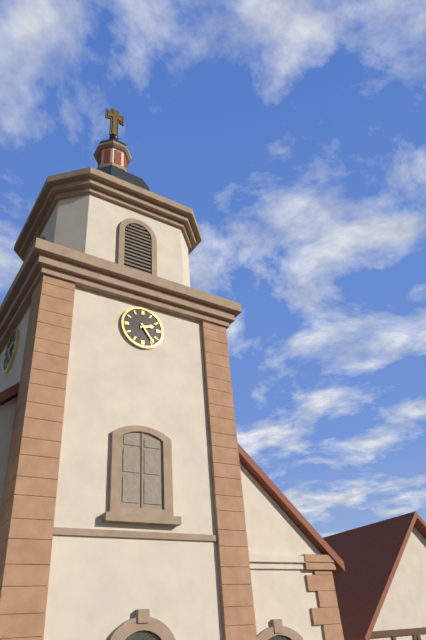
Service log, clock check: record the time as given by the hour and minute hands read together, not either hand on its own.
2:24
